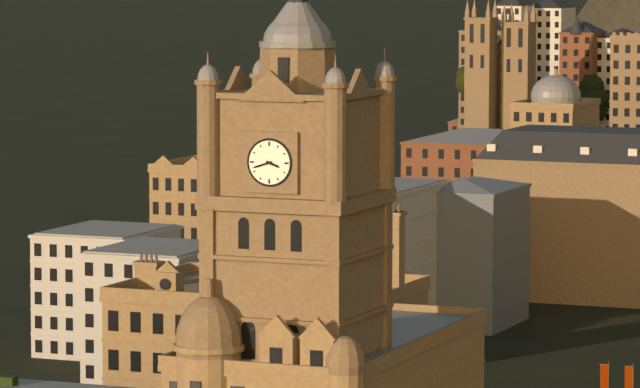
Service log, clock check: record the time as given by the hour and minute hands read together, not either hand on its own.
3:42
